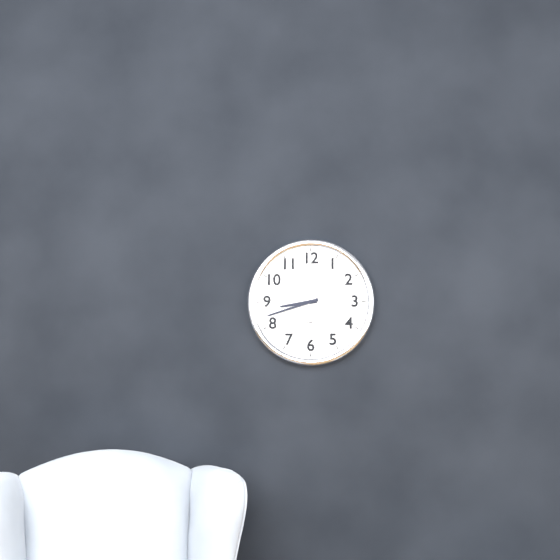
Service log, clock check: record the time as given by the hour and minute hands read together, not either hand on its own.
8:42
